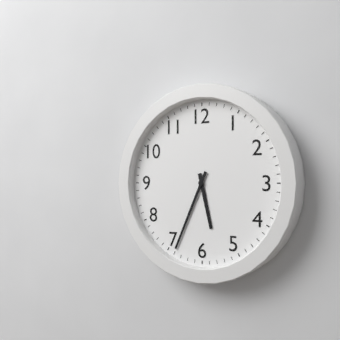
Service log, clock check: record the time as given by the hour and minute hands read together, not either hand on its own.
5:34
